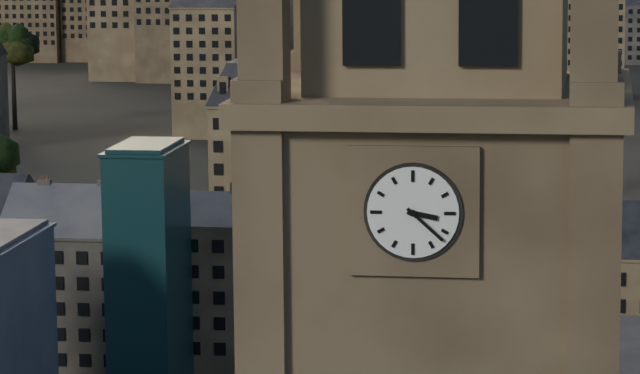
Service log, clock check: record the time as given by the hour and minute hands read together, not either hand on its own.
3:22
